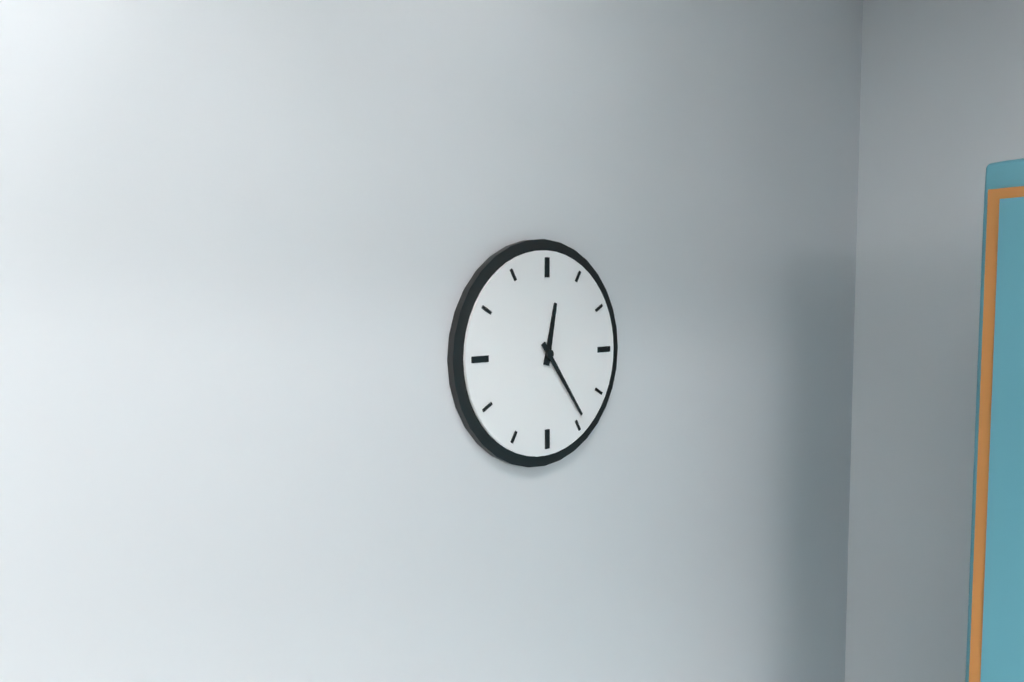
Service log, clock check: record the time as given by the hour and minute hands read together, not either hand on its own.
12:24
